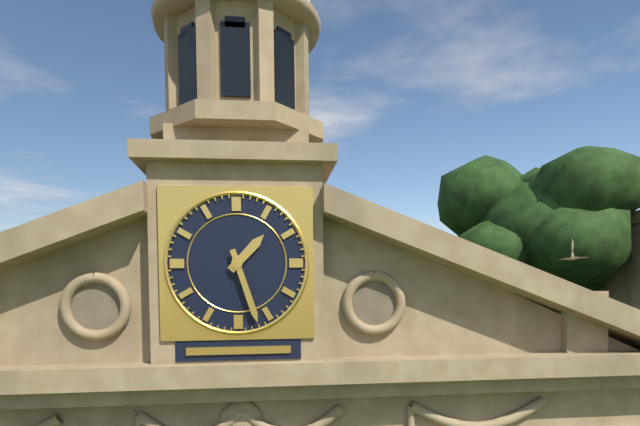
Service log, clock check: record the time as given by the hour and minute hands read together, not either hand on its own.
1:27
